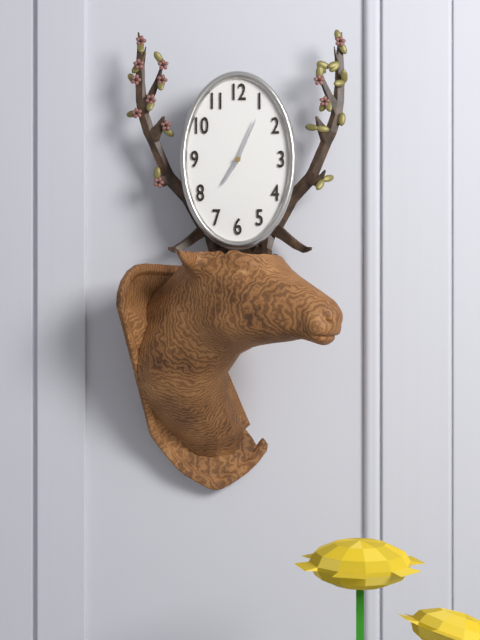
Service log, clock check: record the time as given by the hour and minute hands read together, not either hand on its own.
7:04
